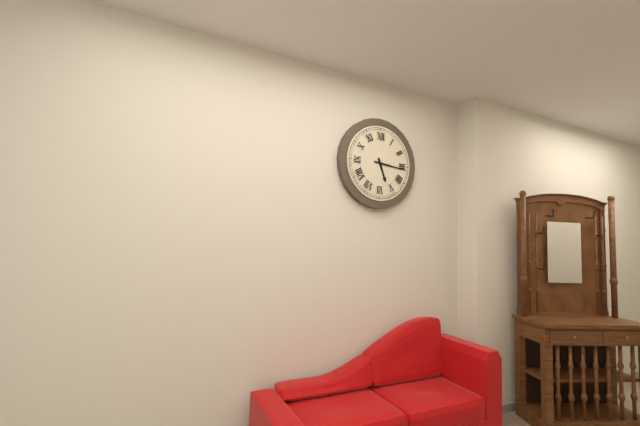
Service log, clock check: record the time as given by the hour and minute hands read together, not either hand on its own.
5:16
